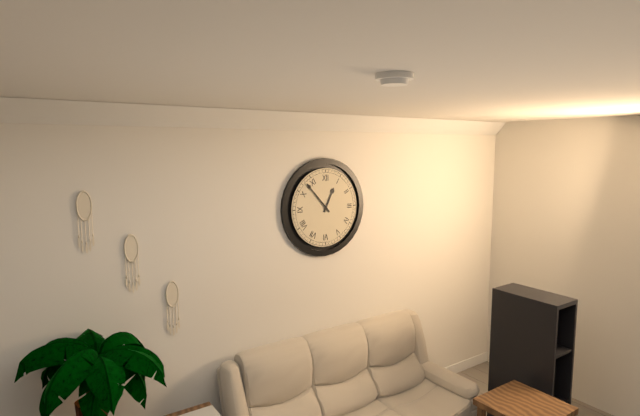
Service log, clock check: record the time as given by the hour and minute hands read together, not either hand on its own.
12:53
